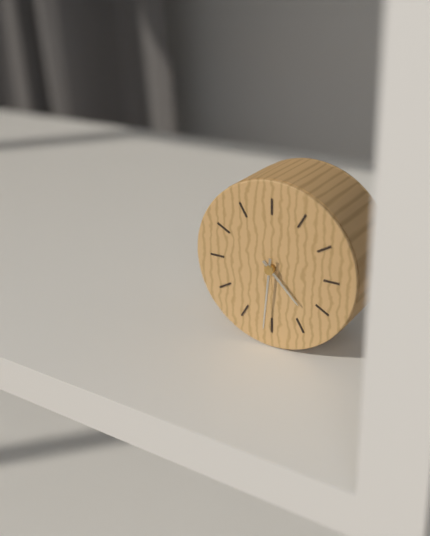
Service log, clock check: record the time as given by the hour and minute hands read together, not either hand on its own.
4:31
